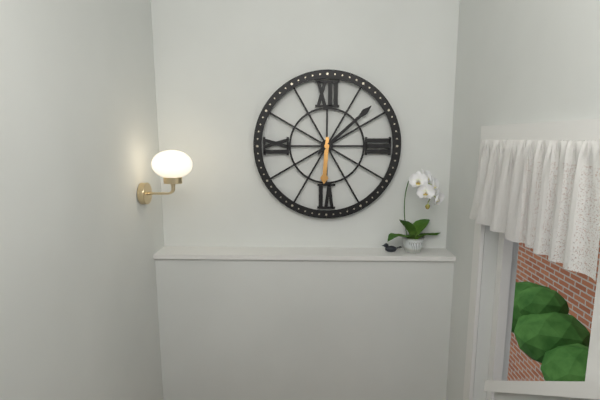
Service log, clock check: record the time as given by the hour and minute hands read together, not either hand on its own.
6:08
